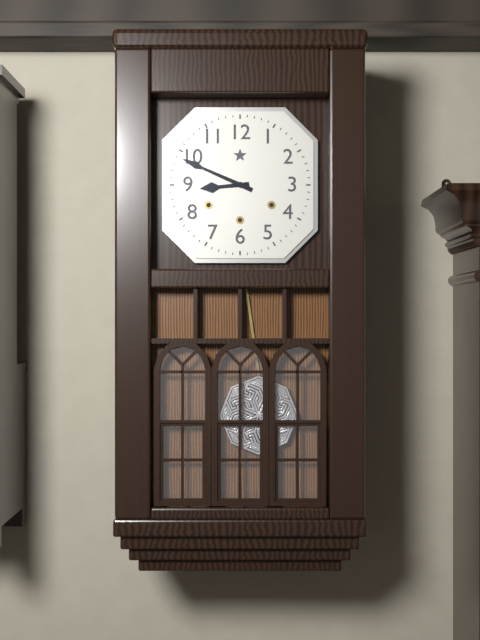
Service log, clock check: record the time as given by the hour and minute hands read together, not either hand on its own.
8:49
